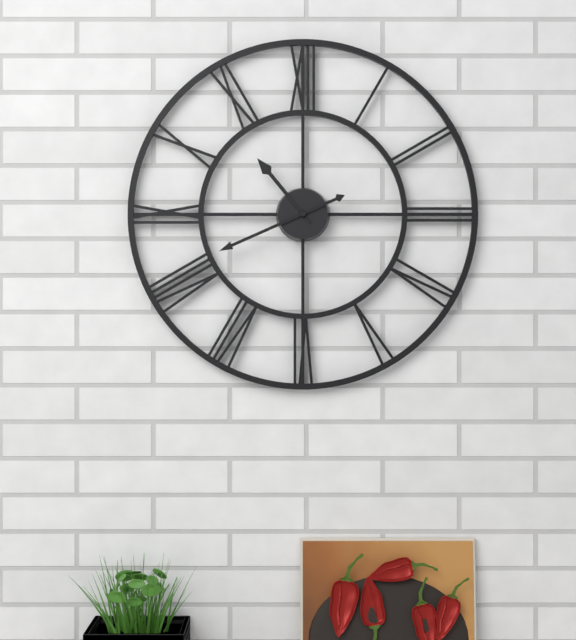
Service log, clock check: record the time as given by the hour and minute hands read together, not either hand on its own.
10:41
